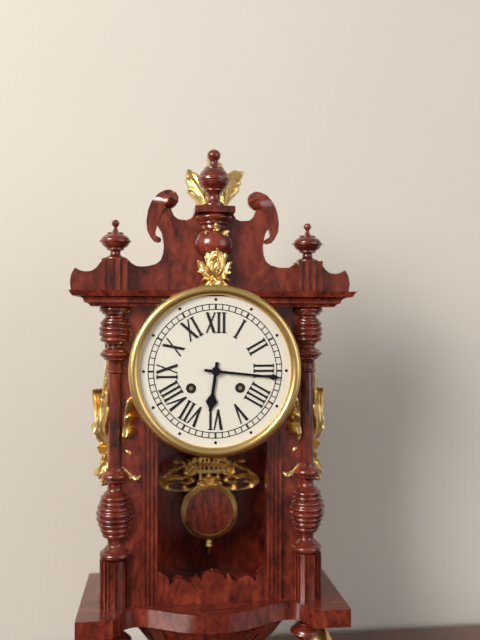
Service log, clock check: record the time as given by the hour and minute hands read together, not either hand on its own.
6:16
